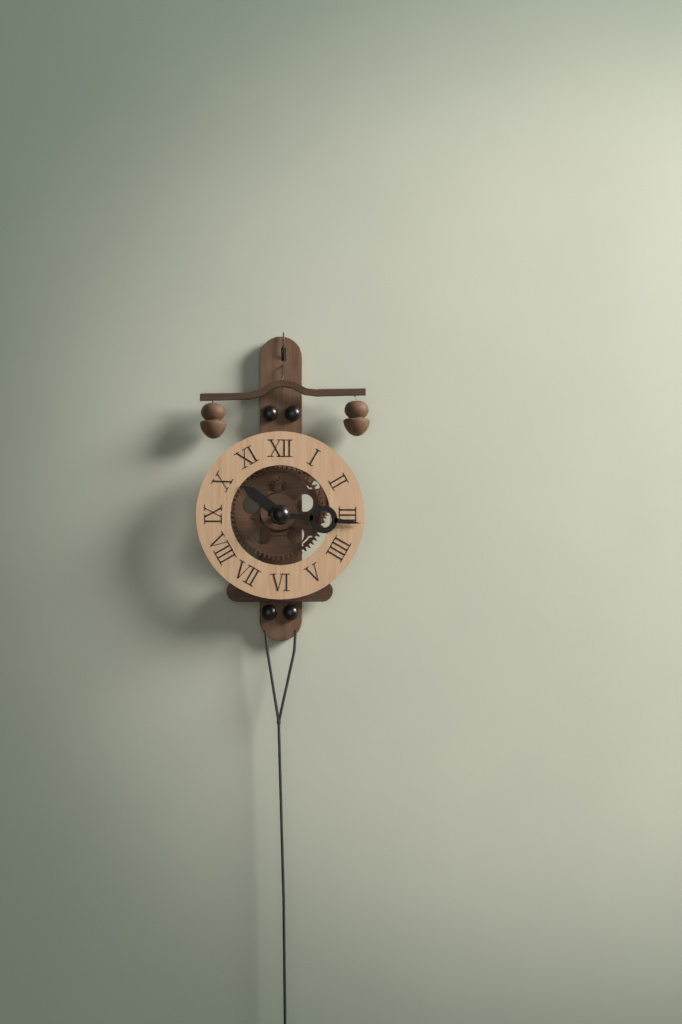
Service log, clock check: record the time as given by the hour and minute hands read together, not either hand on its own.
10:16
